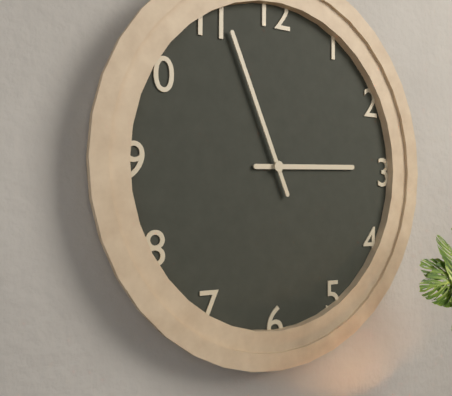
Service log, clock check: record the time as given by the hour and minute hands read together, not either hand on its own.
2:56
